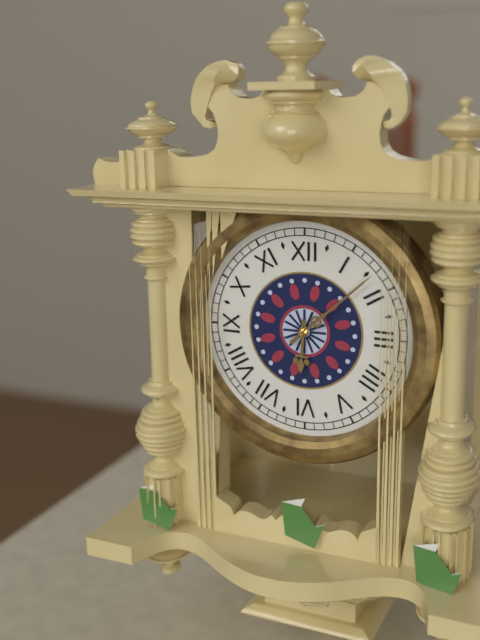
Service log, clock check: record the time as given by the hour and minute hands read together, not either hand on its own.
6:08
